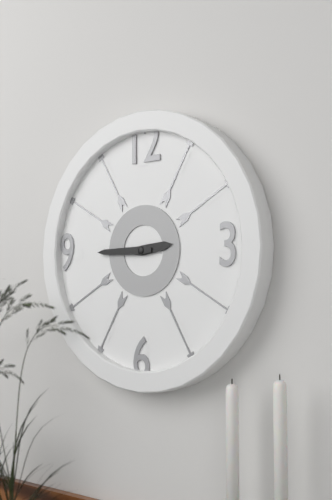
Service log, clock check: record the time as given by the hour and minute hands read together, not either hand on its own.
2:45
